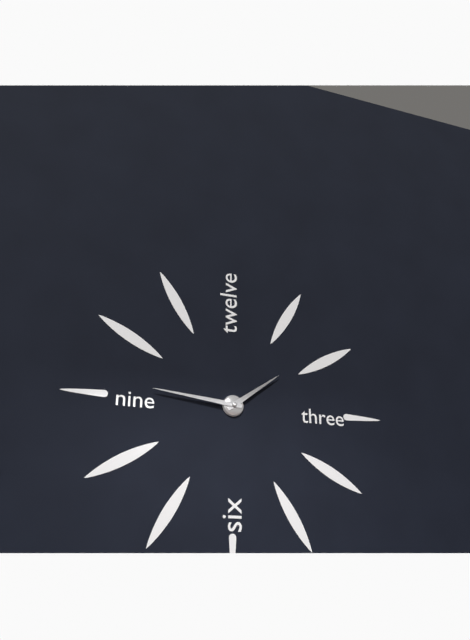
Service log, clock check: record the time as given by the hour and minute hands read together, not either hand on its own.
1:46
